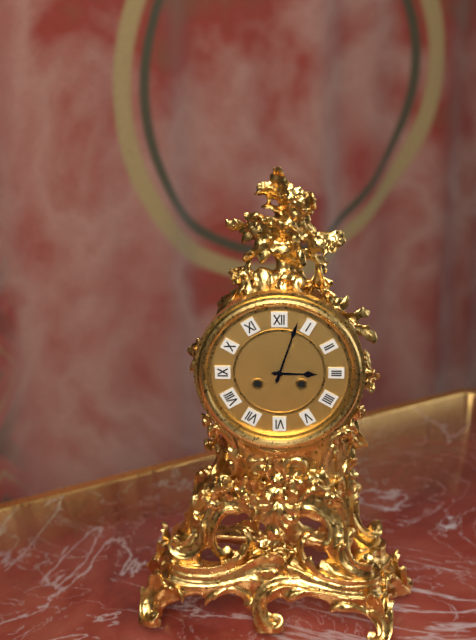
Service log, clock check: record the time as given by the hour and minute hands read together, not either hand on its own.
3:03
